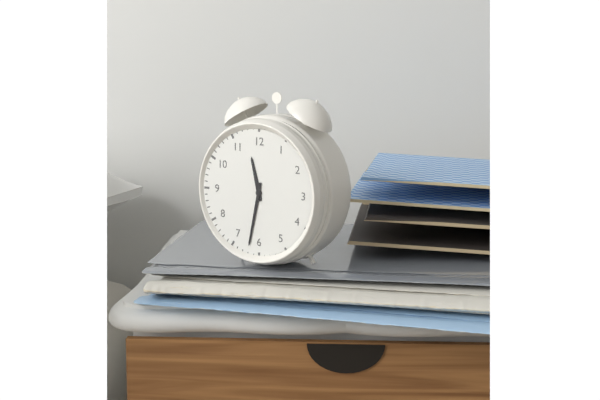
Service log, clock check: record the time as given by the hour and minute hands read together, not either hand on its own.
11:32
